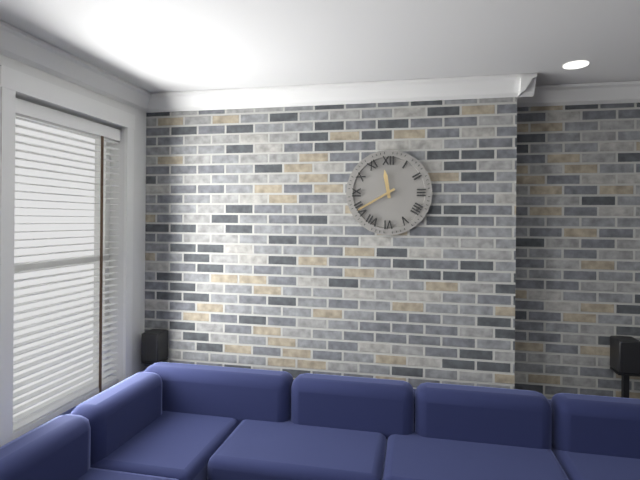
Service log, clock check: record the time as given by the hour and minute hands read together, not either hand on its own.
11:40
